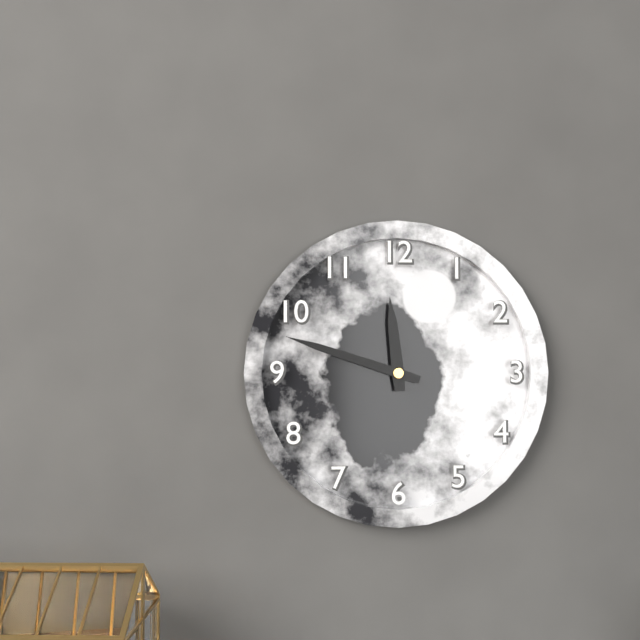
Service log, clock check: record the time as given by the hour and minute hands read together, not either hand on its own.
11:48
